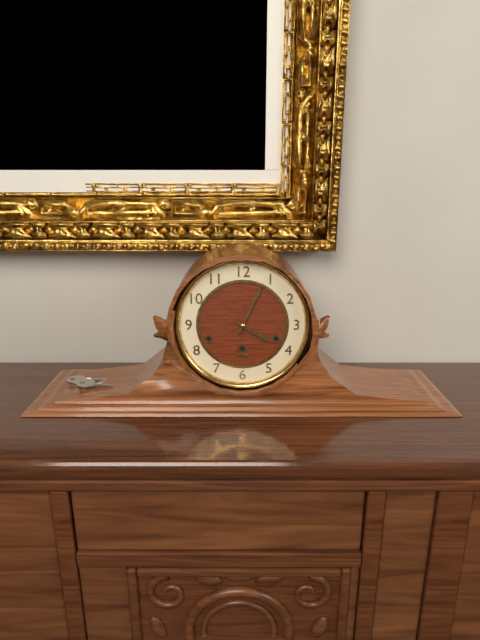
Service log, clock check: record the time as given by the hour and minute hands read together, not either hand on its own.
4:04
